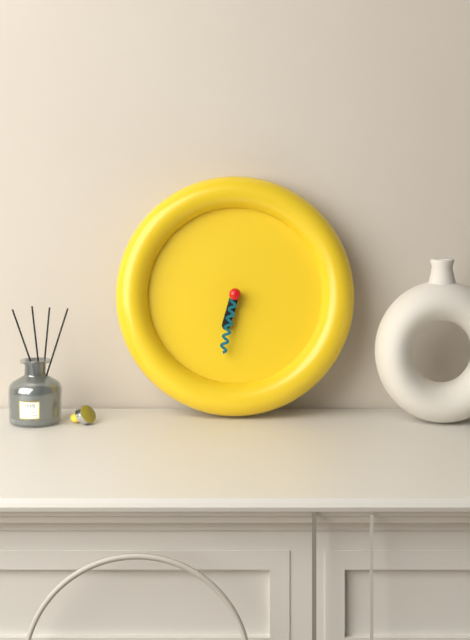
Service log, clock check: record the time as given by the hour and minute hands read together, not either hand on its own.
6:32
